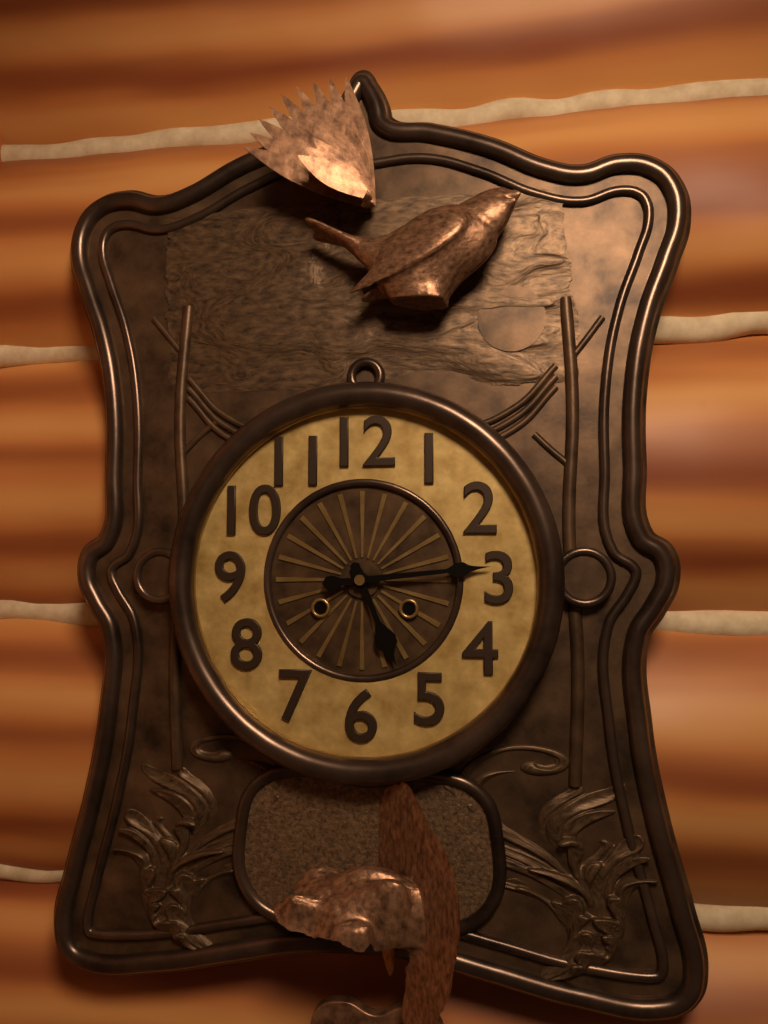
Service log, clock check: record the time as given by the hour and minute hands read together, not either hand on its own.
5:14
